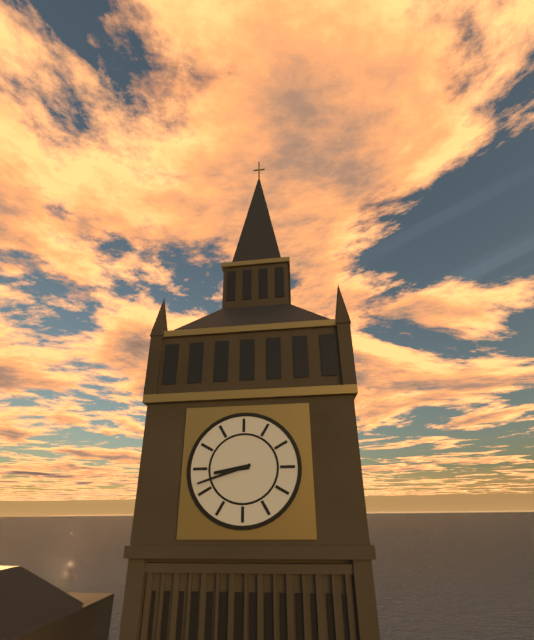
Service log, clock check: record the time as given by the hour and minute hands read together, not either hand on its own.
8:42
